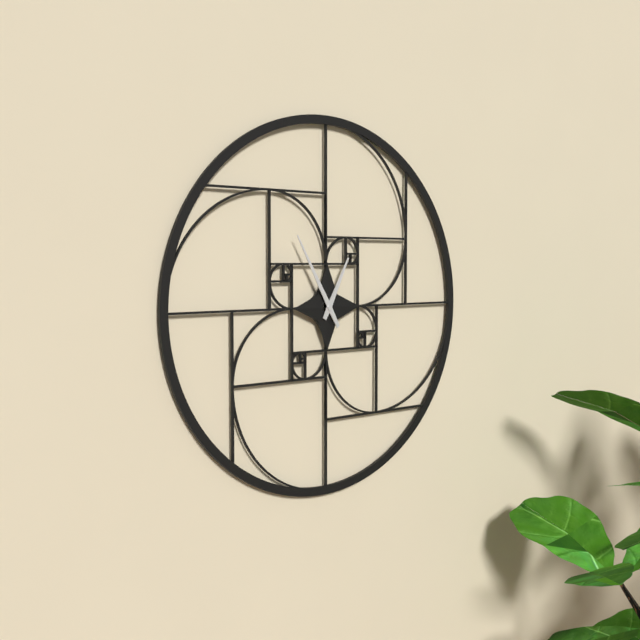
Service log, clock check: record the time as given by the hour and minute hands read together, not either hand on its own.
12:55
